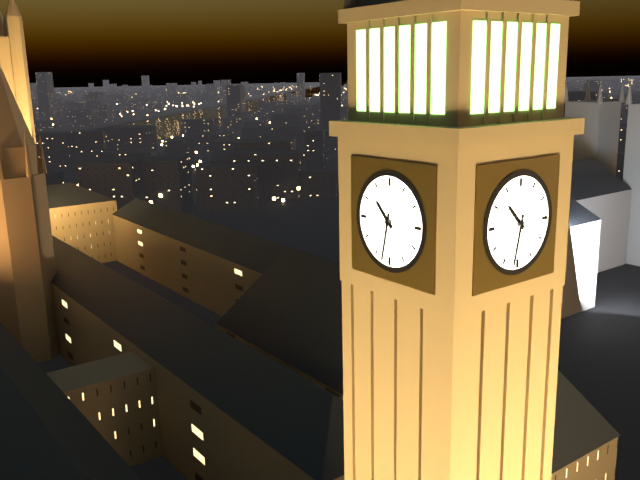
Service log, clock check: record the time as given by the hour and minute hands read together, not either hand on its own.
10:32
